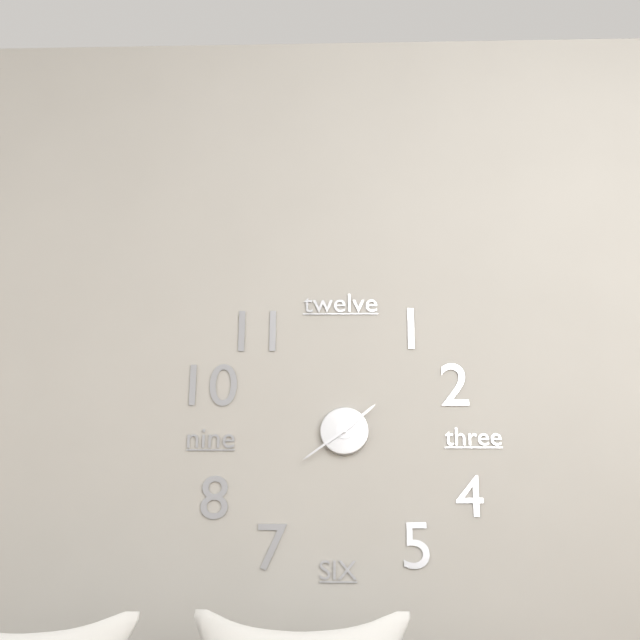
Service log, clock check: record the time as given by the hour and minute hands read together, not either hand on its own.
1:39
